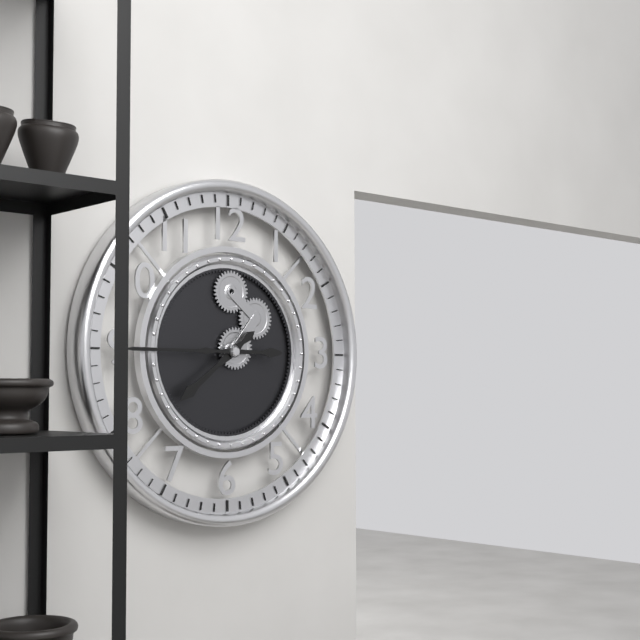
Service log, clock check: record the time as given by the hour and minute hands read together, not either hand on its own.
7:45
